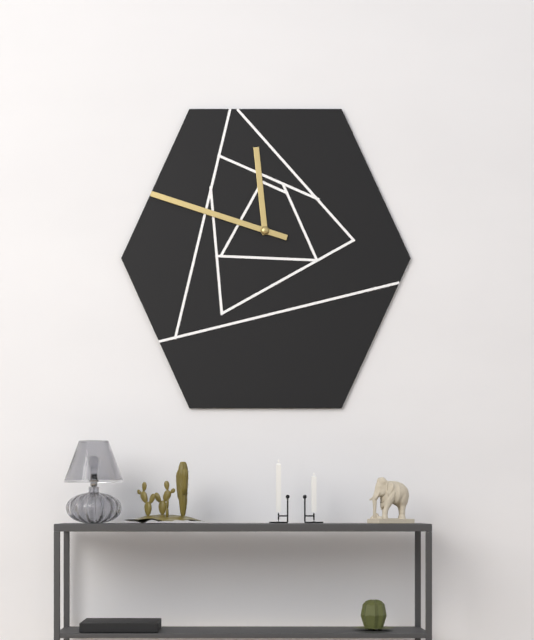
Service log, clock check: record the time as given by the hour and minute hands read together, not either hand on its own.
11:48
